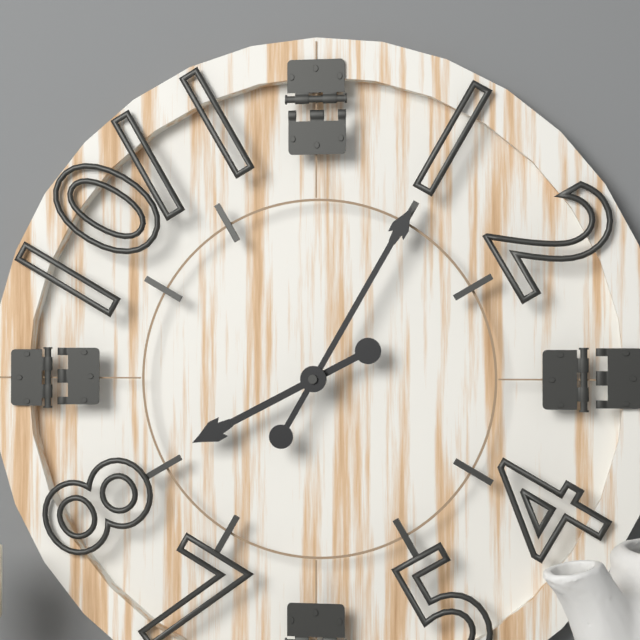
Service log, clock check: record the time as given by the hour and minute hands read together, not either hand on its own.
8:05
